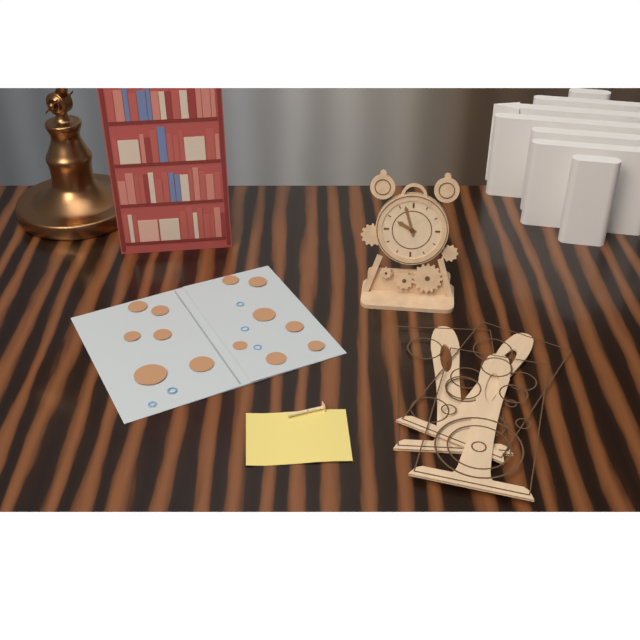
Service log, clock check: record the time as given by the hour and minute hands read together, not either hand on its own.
9:57
